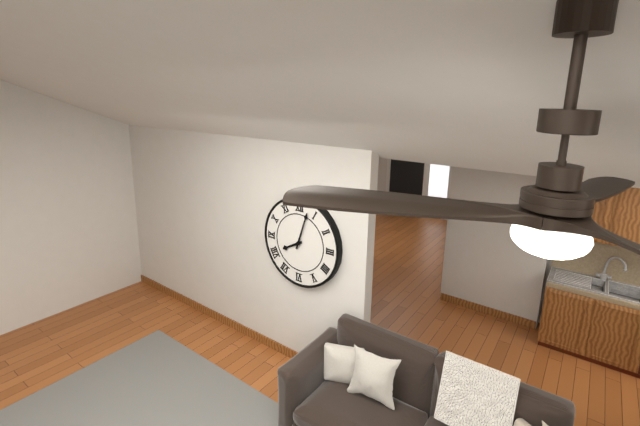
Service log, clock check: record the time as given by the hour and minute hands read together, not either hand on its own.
8:03
